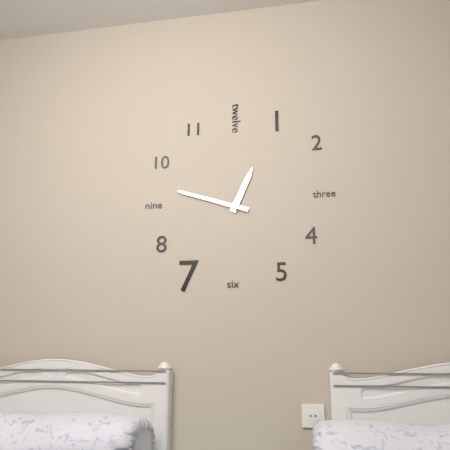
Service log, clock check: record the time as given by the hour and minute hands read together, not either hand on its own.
12:48
